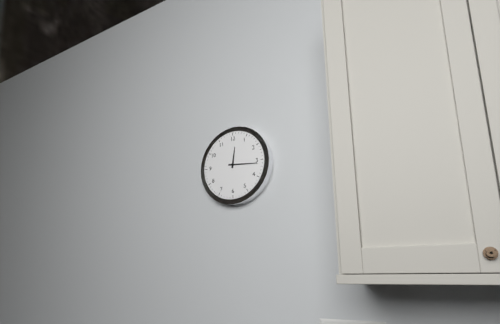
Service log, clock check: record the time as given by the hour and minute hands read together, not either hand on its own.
12:16
